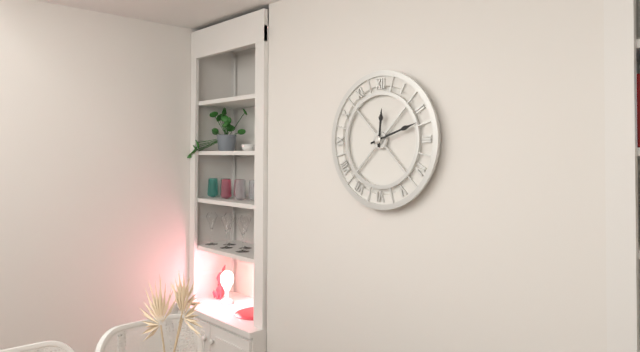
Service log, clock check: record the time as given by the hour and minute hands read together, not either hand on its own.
12:12
